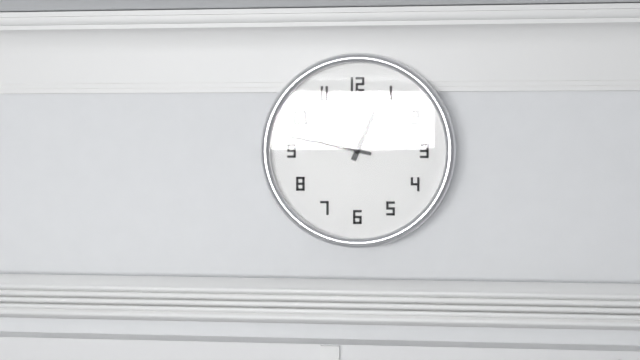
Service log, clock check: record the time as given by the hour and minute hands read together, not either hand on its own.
12:47
